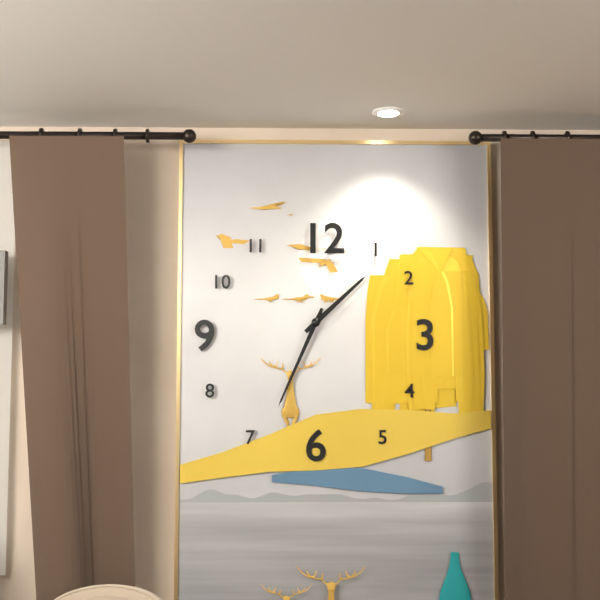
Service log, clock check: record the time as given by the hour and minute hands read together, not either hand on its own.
1:34
